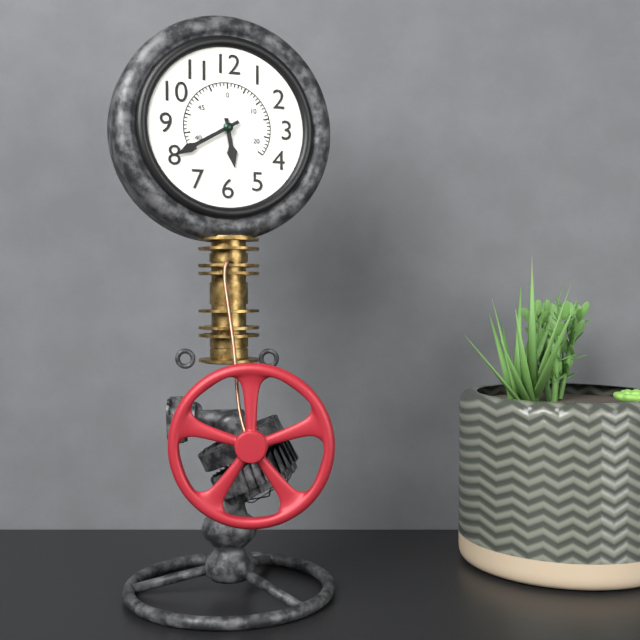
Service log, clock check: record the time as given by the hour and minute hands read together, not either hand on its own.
5:40
